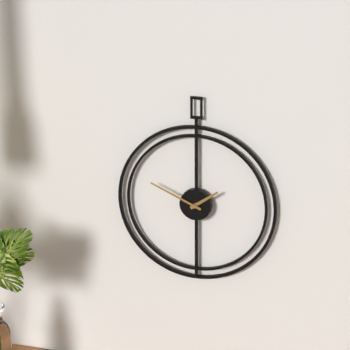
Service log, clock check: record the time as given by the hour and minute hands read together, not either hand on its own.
1:49
